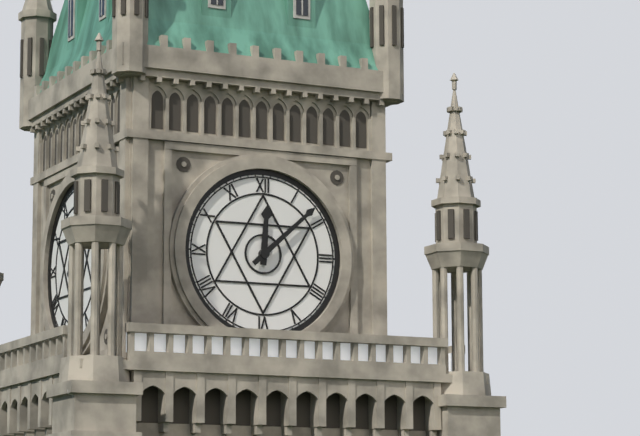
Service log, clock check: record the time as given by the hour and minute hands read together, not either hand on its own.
12:08
